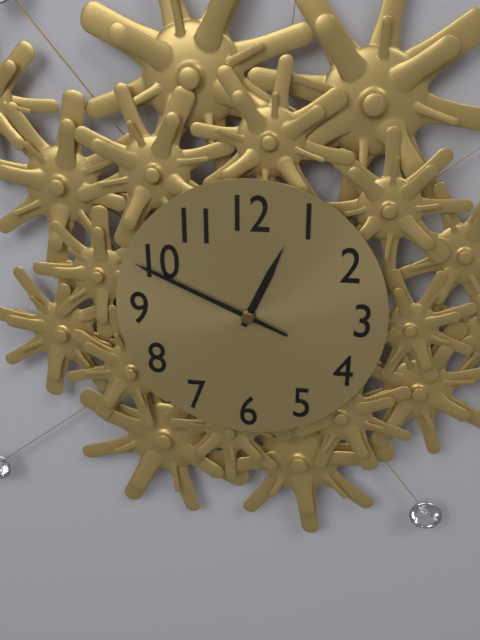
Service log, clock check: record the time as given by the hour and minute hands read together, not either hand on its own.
12:49
